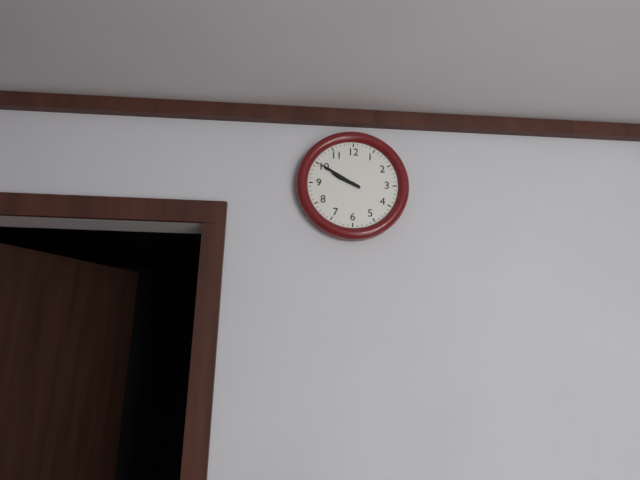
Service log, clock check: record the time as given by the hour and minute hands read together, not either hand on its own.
9:50
